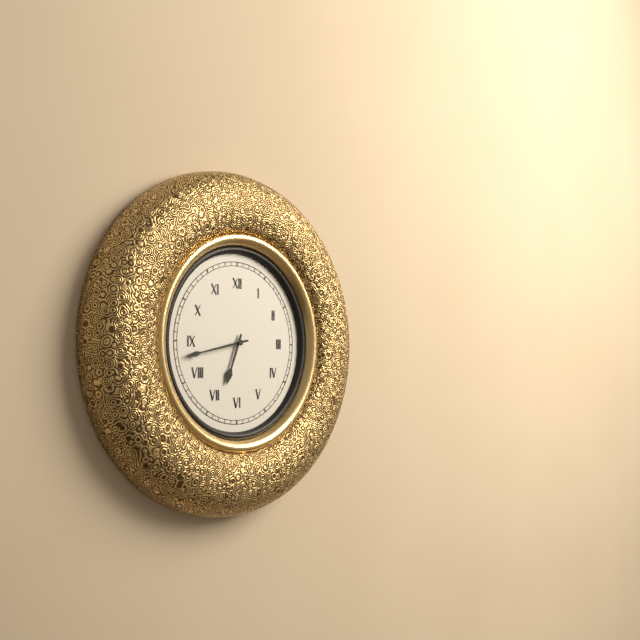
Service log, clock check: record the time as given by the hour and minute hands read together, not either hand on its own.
6:43
